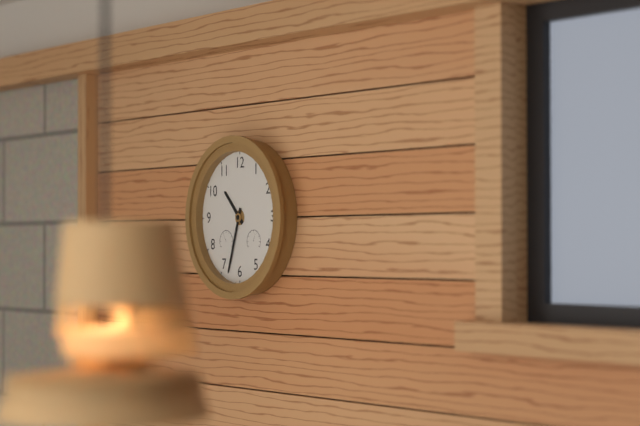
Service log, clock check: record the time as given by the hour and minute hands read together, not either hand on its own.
10:33
